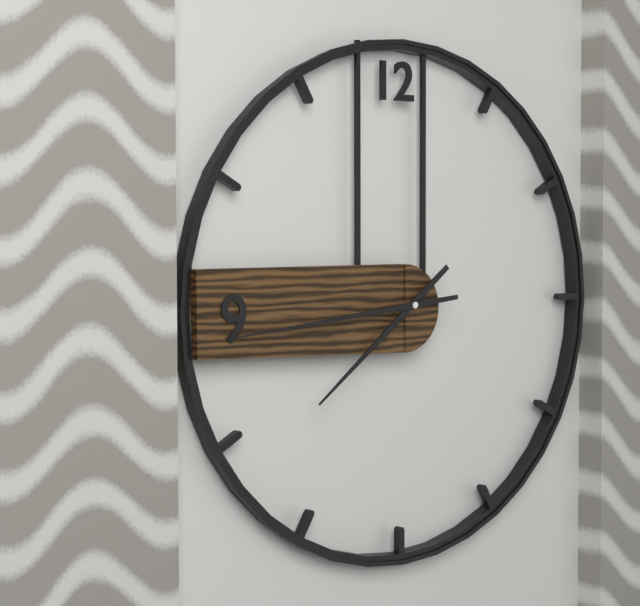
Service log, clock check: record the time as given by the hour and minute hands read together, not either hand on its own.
7:44
